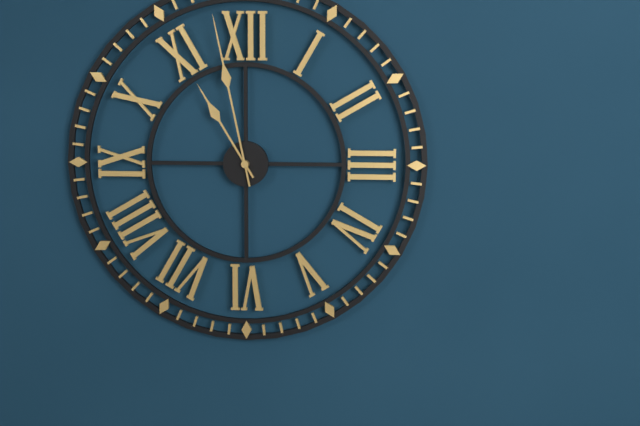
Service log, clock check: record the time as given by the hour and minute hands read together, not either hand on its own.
10:58
